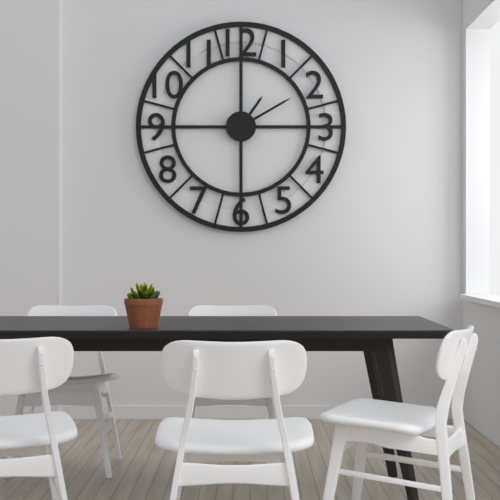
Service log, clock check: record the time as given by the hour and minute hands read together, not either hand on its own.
1:10
